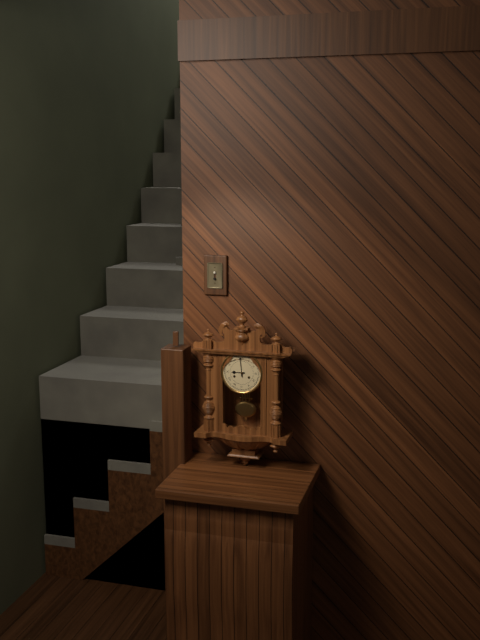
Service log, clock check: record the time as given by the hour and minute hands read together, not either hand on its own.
8:59
